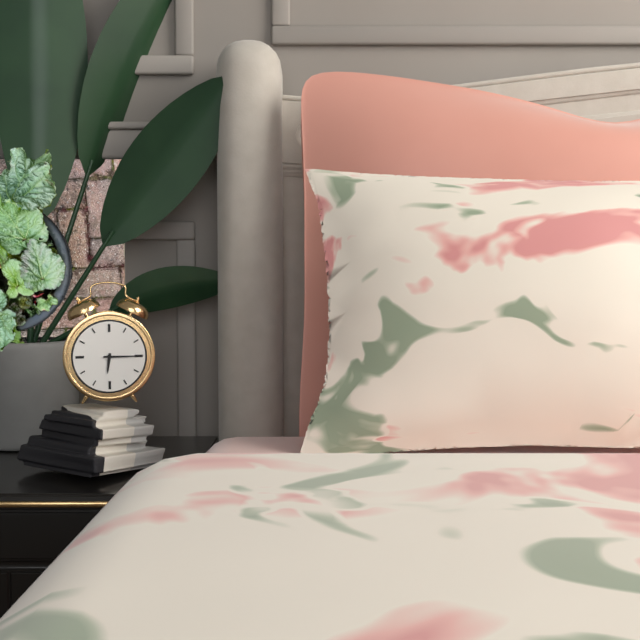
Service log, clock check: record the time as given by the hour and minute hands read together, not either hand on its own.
6:15
